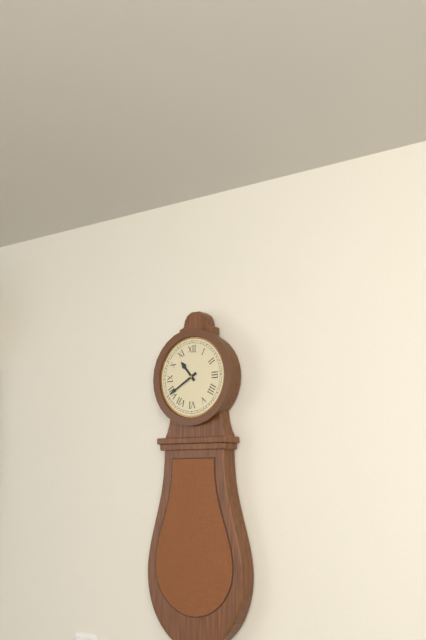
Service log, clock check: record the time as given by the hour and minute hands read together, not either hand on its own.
10:40
